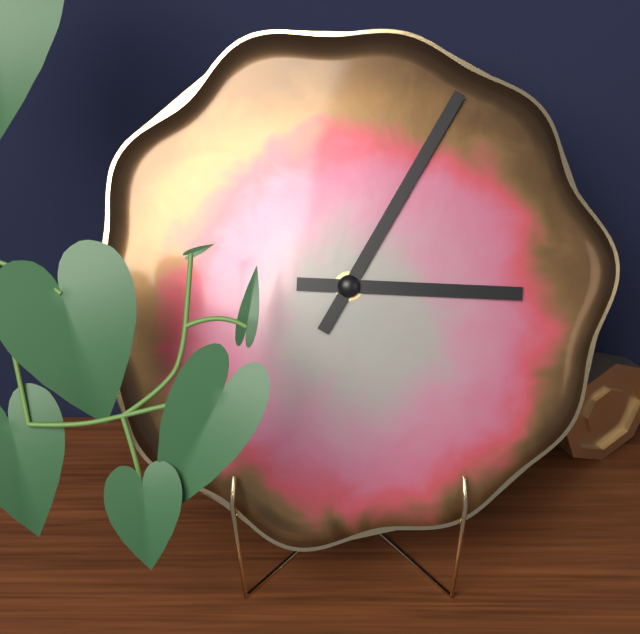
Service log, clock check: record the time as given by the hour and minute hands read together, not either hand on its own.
3:05
